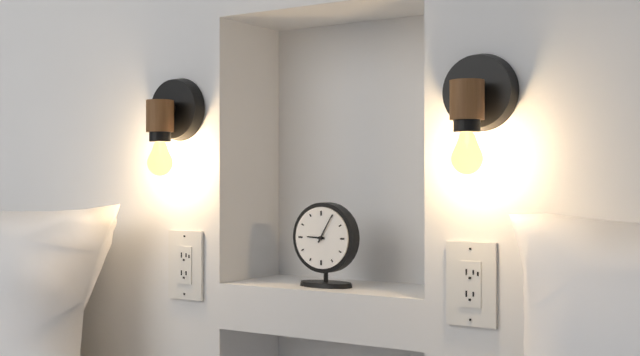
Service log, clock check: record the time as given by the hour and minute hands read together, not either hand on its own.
9:05
